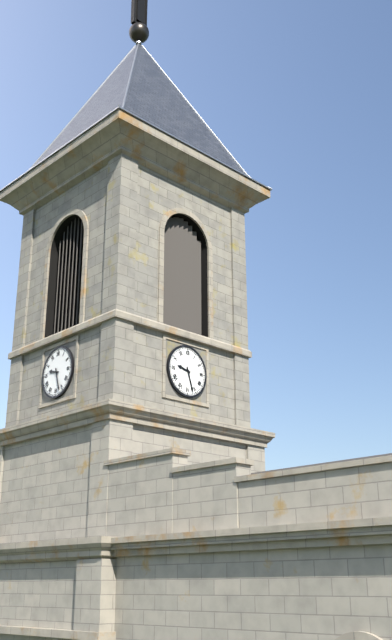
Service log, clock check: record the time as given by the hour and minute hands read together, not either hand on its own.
9:27
